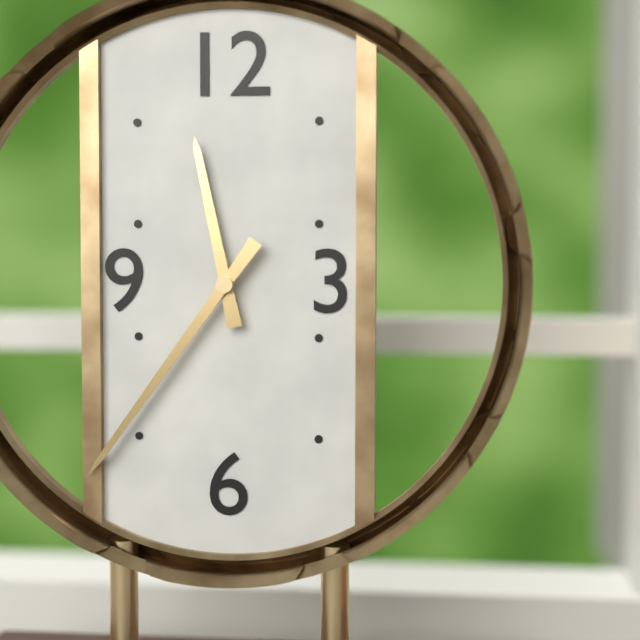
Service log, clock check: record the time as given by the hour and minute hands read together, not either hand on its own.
11:36
